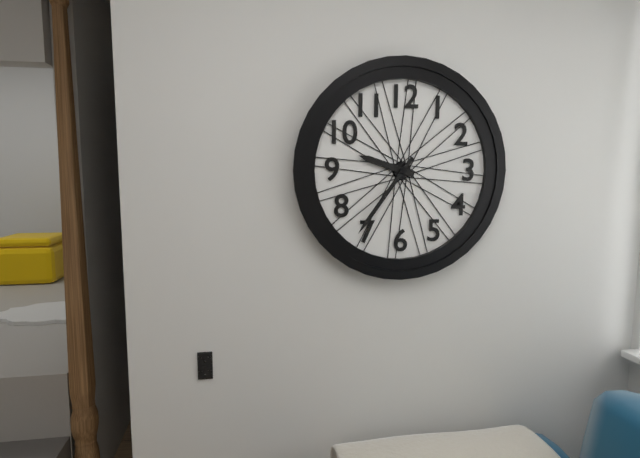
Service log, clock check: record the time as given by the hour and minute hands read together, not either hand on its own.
9:36
